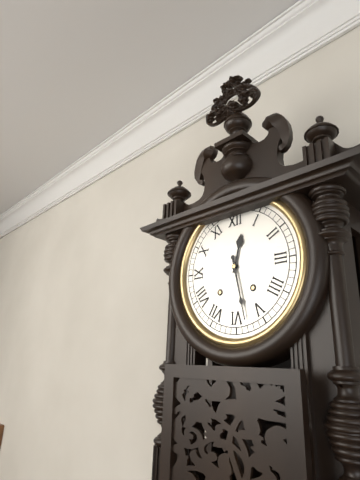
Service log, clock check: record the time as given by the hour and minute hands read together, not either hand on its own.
12:28
